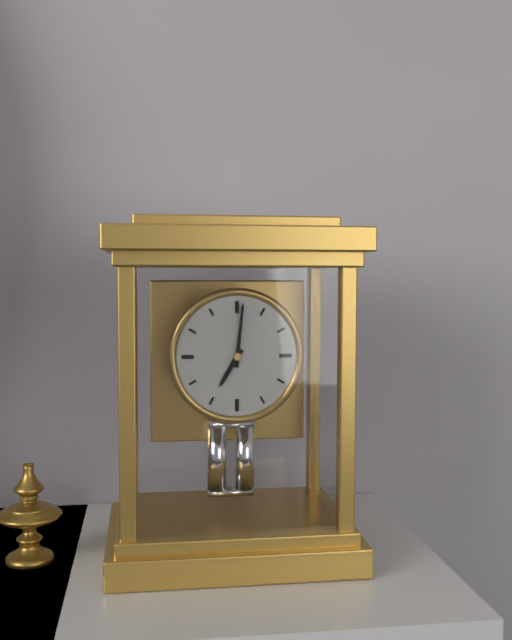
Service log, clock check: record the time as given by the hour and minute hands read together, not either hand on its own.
7:01
